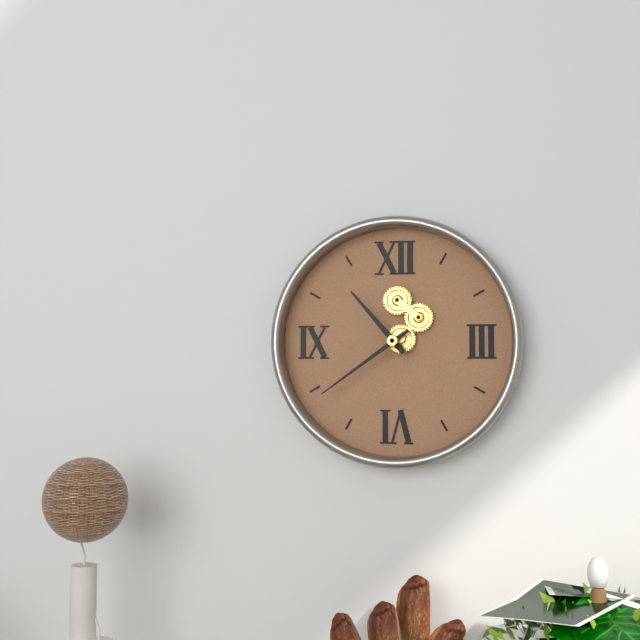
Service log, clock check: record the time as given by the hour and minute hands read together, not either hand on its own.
10:39
